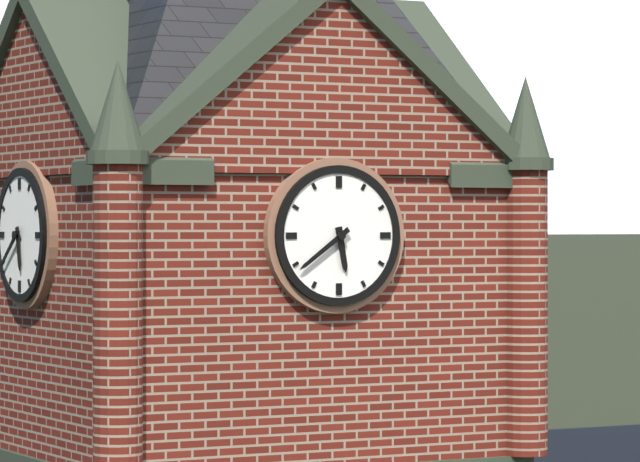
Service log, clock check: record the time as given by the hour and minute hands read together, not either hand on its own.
5:39
